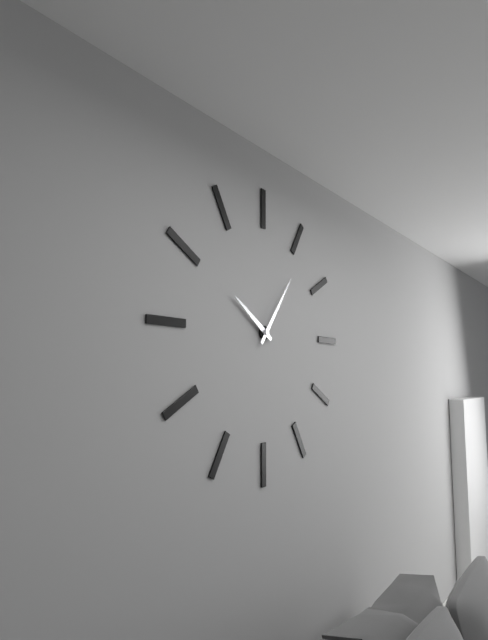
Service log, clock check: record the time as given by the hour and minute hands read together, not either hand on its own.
10:06
